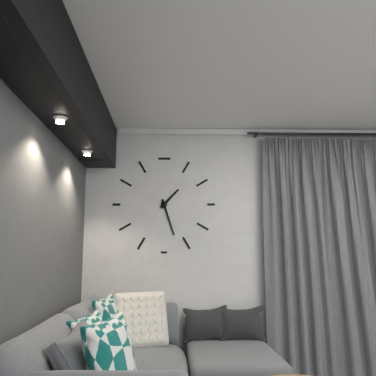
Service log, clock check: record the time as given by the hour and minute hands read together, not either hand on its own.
1:27
